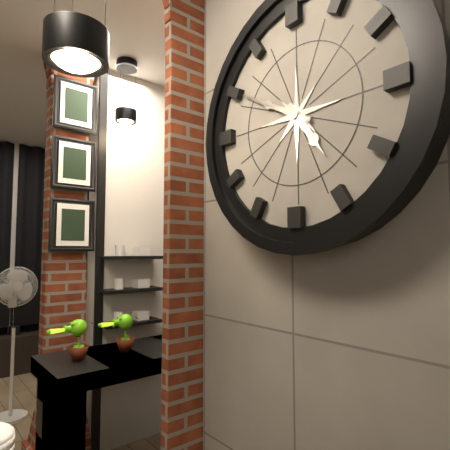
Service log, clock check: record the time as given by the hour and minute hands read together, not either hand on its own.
4:50
